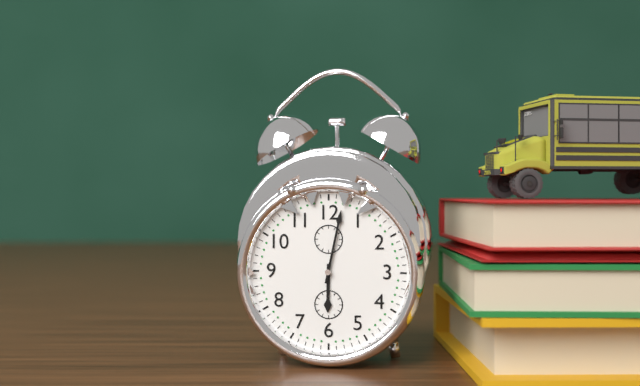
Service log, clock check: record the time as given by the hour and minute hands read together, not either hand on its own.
6:02
